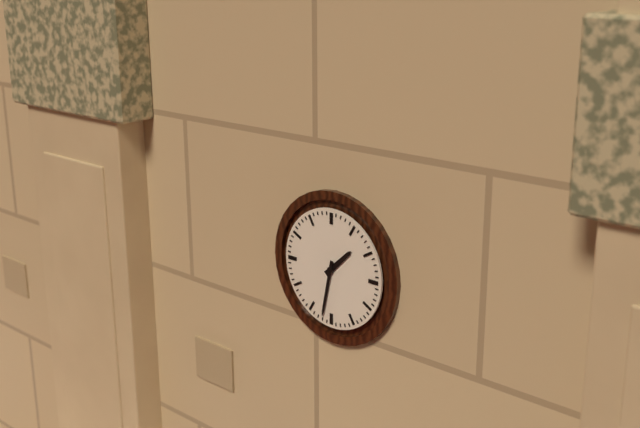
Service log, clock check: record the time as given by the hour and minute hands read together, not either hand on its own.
1:32
